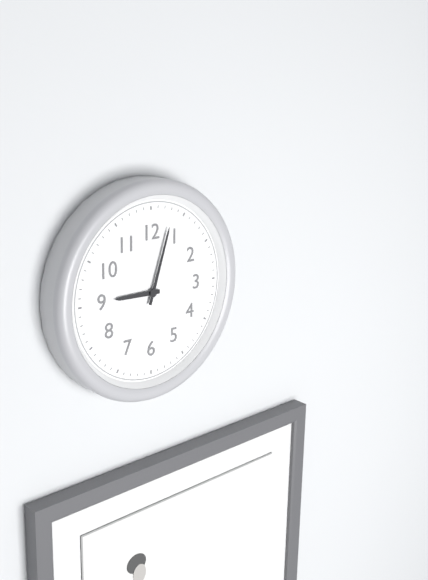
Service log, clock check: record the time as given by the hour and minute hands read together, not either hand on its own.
9:03
